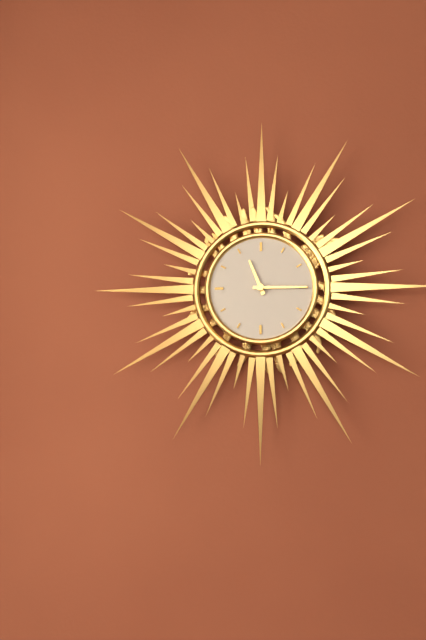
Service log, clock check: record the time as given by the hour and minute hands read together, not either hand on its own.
11:15
